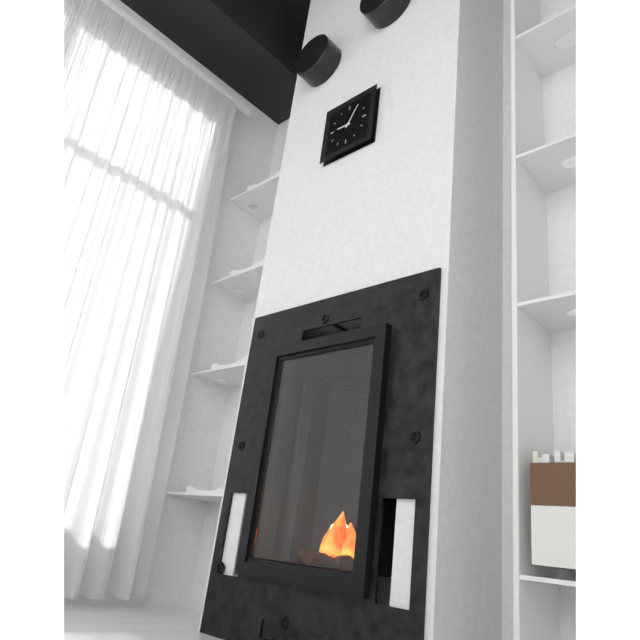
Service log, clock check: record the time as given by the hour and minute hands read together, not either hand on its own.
9:05
